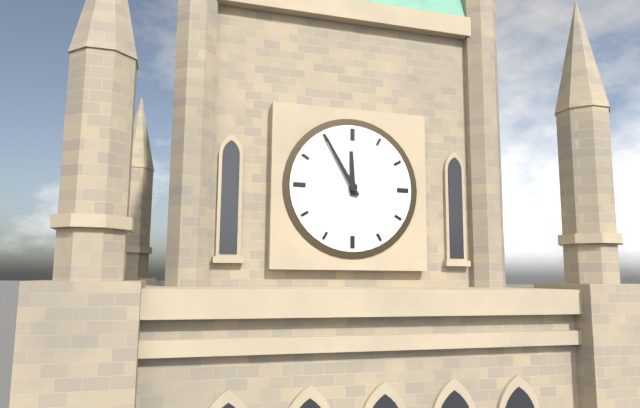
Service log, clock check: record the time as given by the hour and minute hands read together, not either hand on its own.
11:55
